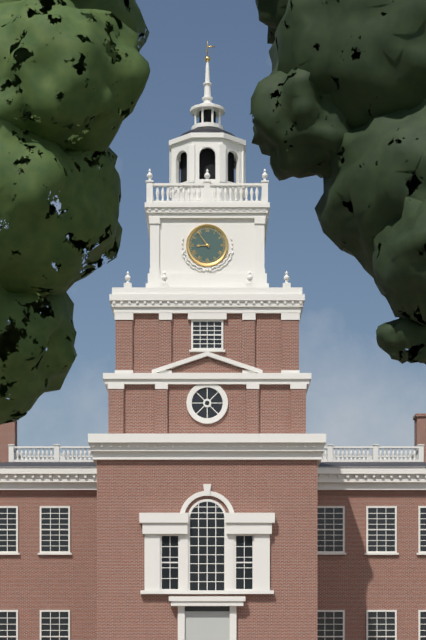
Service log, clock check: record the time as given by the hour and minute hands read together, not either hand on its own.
8:54
